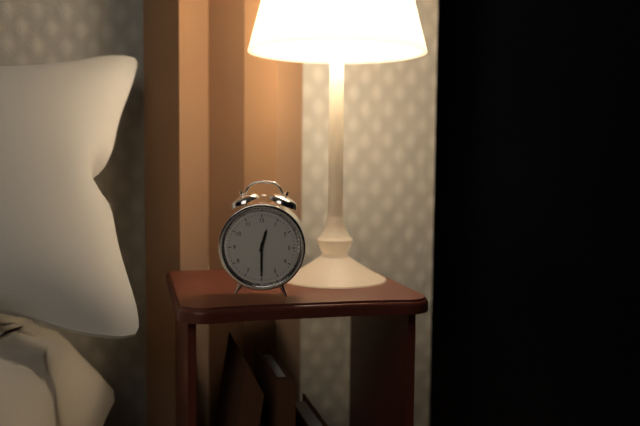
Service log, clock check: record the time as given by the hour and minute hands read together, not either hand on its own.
12:30
